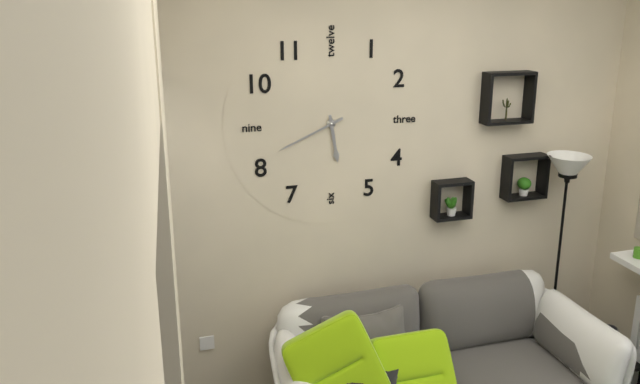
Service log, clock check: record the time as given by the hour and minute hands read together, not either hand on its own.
5:41
